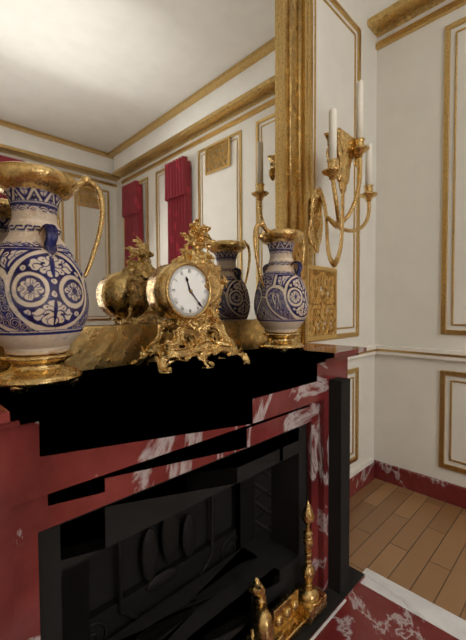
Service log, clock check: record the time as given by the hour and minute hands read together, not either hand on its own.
11:23
